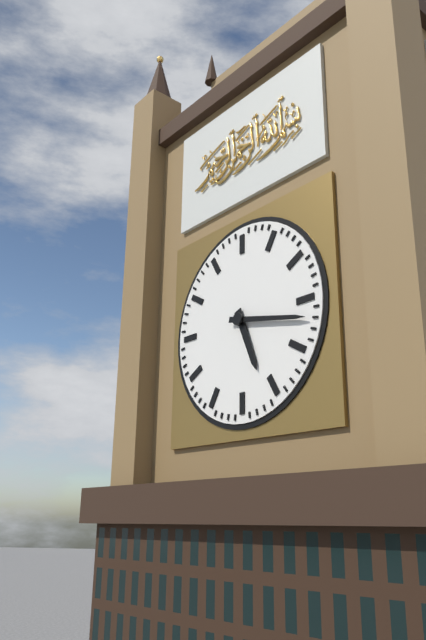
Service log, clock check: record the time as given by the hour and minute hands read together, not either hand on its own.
5:17
